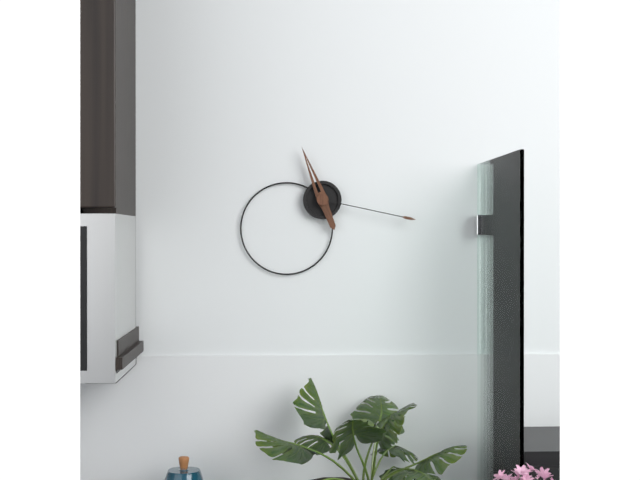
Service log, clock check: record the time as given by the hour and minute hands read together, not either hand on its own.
11:17
